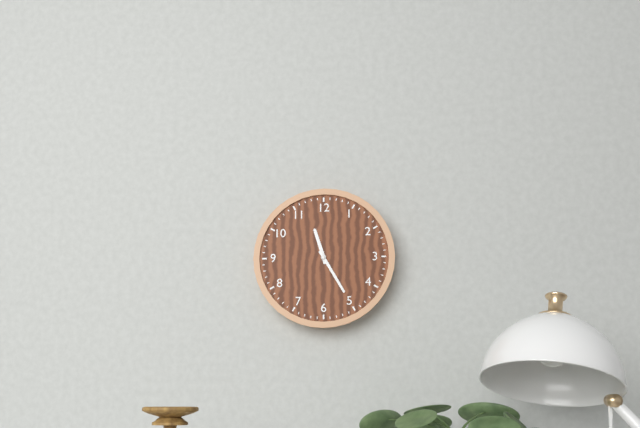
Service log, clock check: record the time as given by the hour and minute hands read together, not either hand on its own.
11:25
